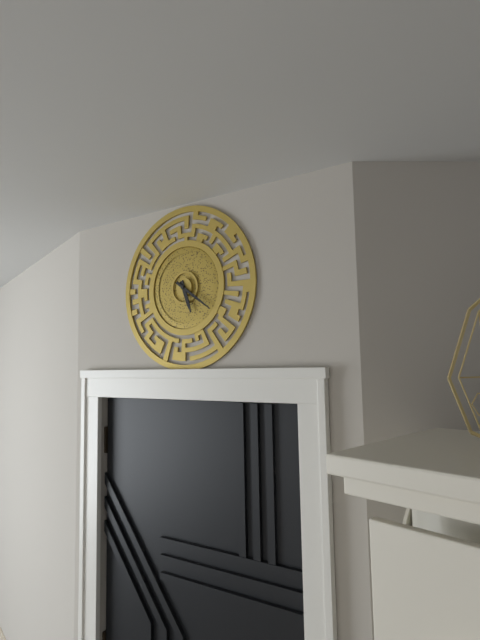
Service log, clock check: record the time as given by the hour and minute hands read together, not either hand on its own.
5:21
